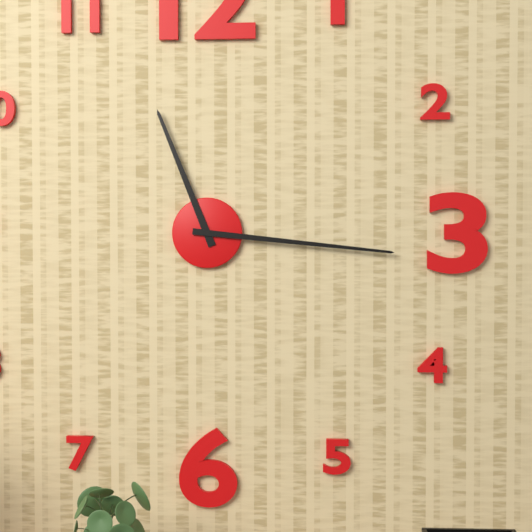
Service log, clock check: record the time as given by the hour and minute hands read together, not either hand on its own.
11:16
